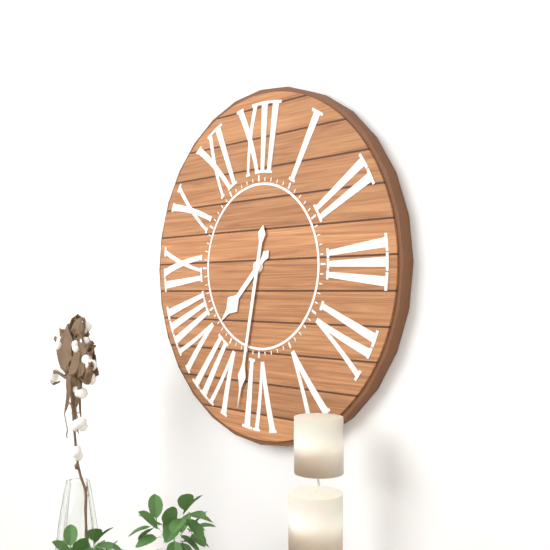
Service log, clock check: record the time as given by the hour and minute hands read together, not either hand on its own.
7:32
